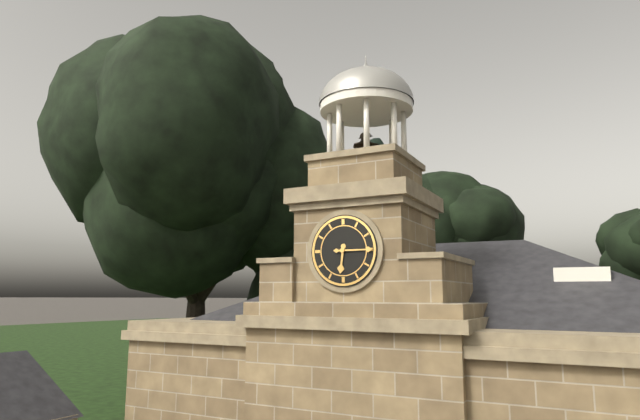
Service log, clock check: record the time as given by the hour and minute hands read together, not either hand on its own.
6:15
